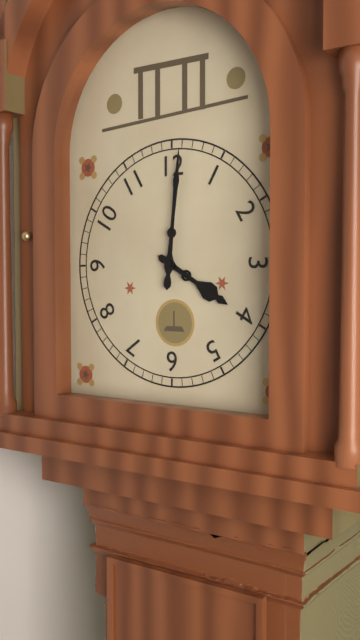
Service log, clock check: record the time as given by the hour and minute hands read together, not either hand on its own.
4:01
